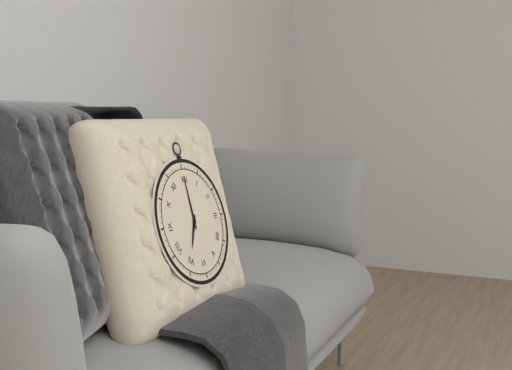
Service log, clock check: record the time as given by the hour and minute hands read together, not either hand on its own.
7:00
